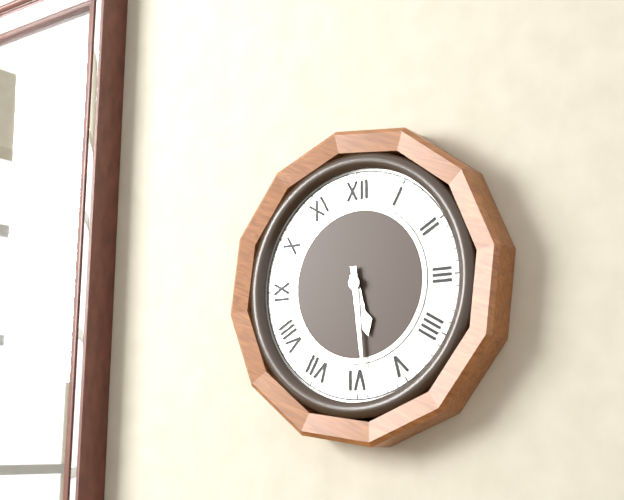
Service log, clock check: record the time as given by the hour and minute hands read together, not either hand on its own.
5:29
